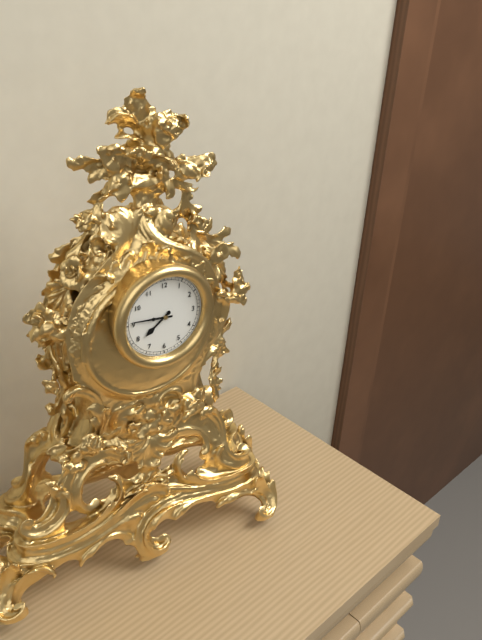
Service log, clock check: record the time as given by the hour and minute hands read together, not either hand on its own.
7:46
